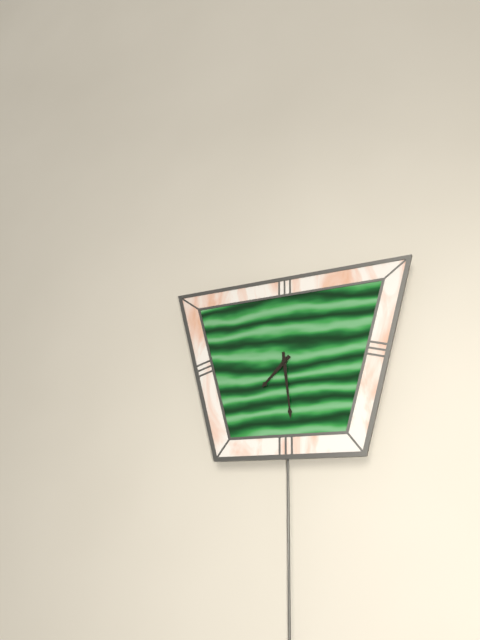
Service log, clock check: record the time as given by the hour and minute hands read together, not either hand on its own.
7:29
